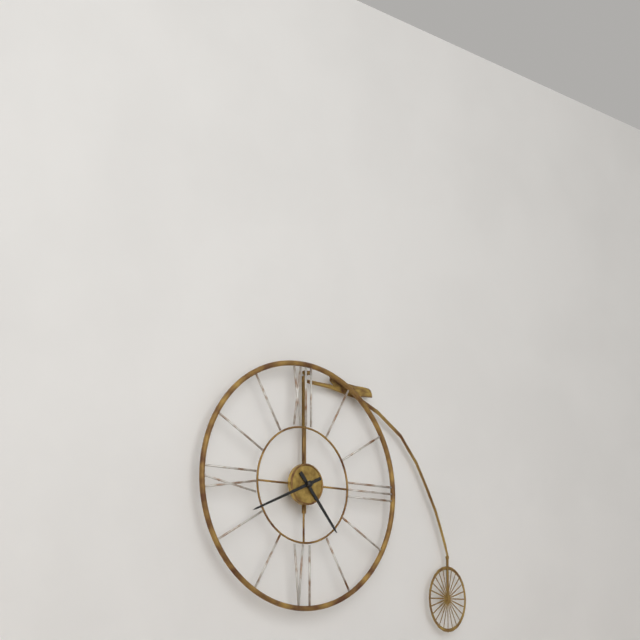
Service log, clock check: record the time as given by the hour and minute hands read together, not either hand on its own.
4:41
